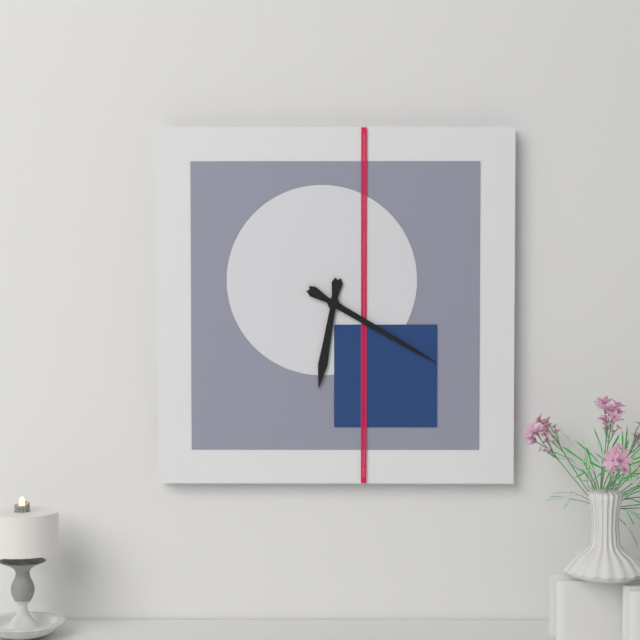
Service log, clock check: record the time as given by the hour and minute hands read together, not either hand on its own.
6:20
